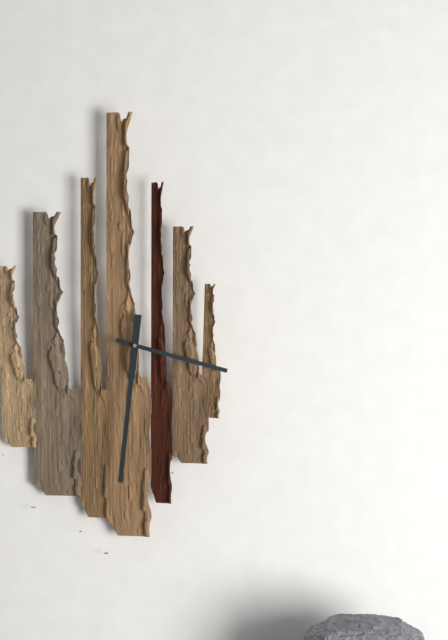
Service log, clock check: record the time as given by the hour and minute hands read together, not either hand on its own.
3:31
